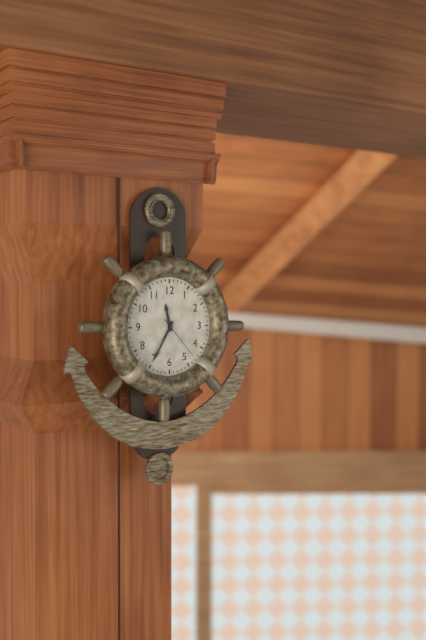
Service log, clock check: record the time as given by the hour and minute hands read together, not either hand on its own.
11:35
